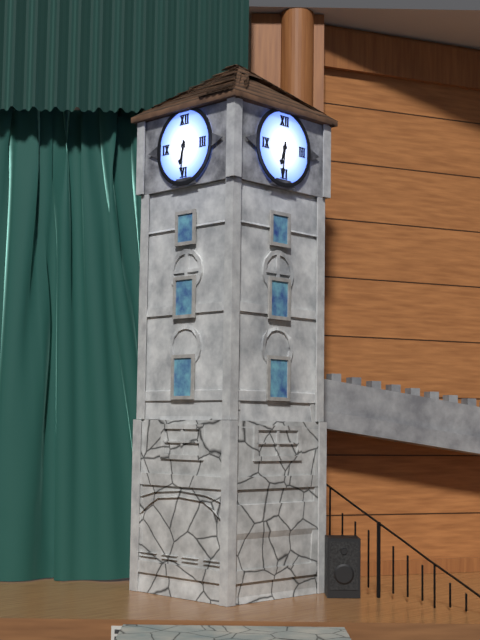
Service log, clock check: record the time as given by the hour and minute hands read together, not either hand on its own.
6:31
